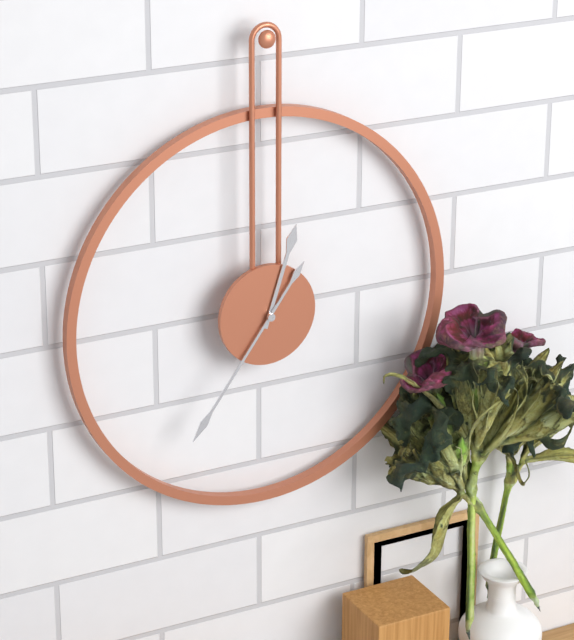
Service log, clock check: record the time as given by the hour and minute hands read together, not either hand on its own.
12:36
